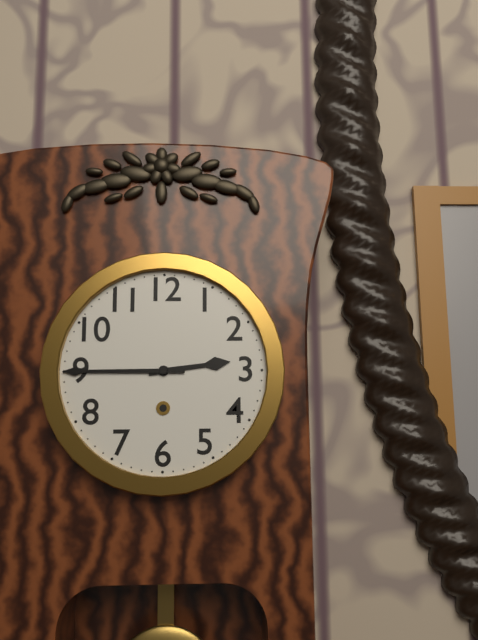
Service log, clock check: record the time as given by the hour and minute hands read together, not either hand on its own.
2:45
